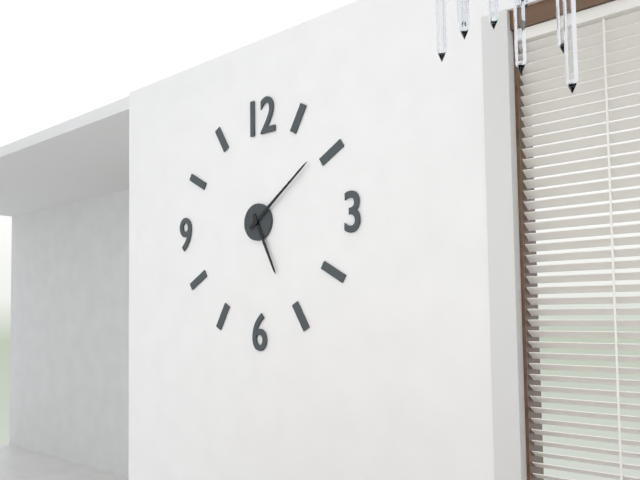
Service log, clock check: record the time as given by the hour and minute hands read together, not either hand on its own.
5:09
